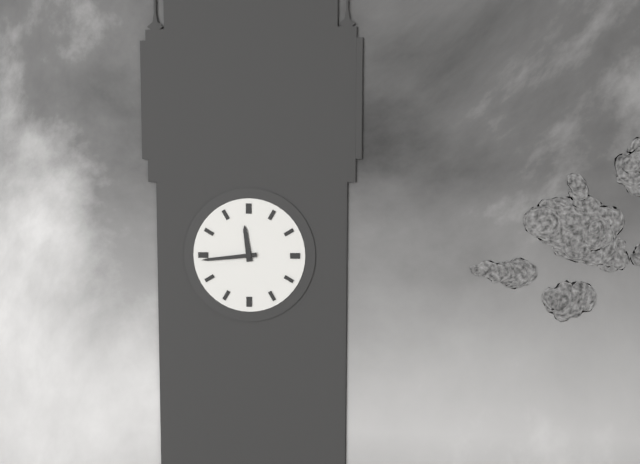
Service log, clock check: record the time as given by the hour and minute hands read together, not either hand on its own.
11:44
